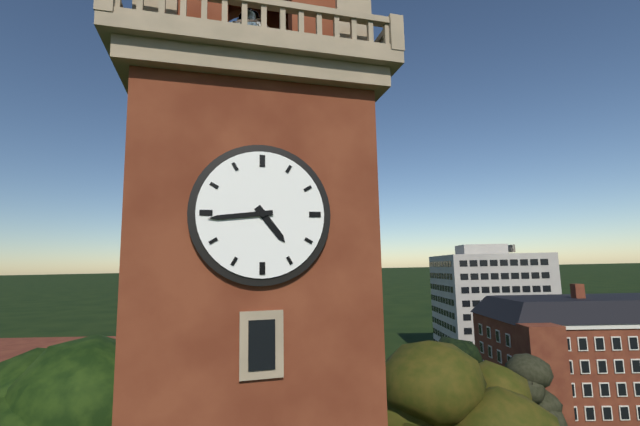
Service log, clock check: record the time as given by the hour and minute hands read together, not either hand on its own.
4:44
